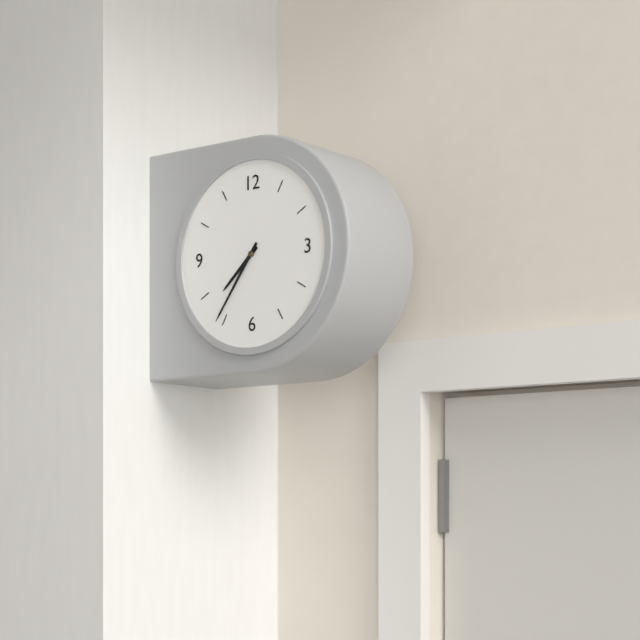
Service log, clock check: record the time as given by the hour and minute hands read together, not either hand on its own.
7:36
